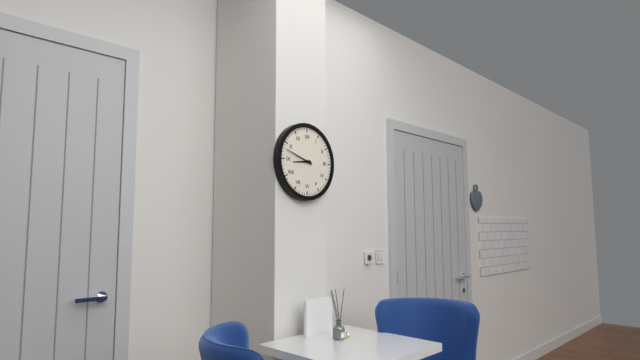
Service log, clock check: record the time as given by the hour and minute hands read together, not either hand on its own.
8:48
